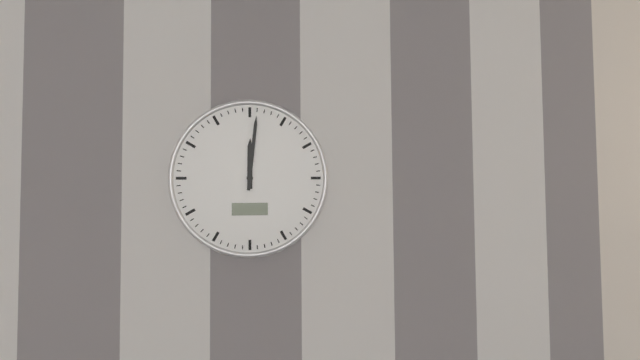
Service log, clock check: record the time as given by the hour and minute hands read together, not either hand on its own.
12:01
